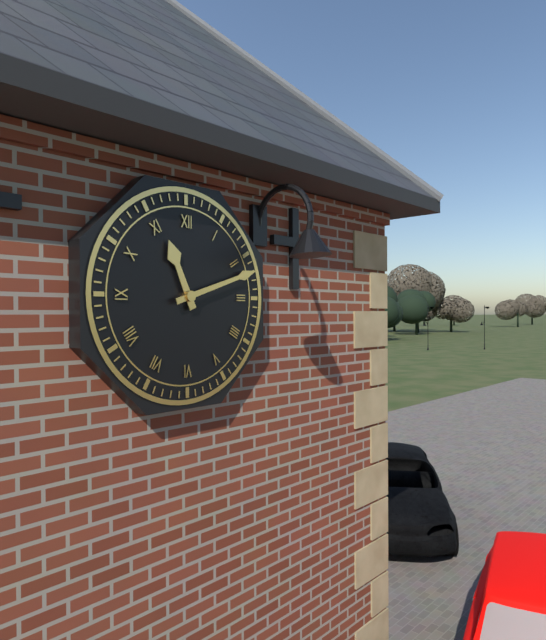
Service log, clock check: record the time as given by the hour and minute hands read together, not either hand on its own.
11:12
